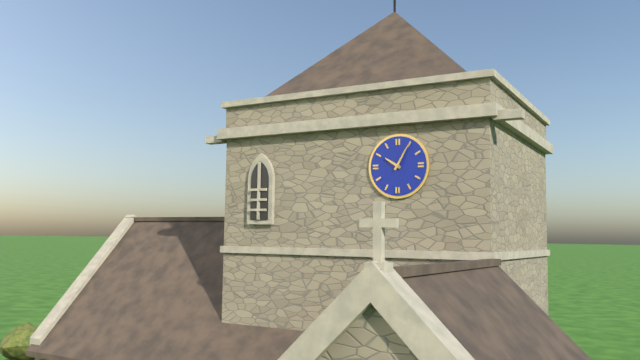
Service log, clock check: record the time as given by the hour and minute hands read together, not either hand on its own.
10:05
